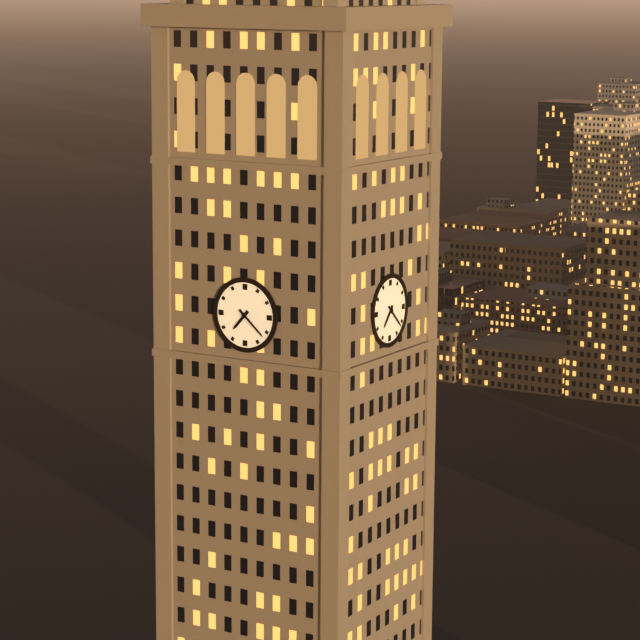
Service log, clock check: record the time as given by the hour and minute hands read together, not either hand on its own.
7:22
